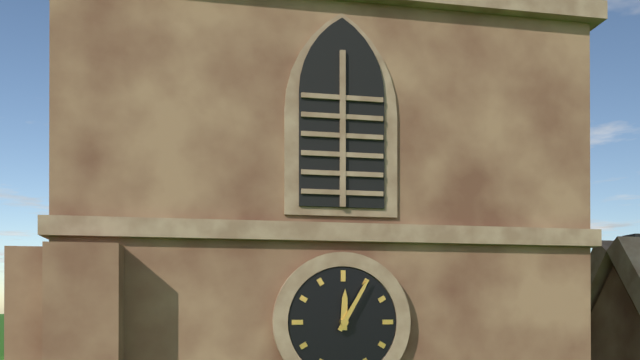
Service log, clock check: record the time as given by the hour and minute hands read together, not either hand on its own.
12:05
